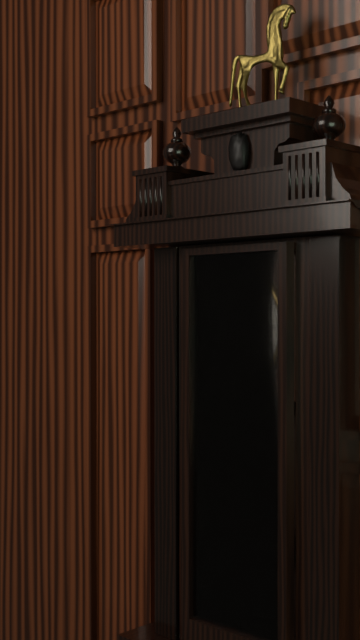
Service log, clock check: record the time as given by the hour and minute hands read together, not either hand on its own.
9:34
